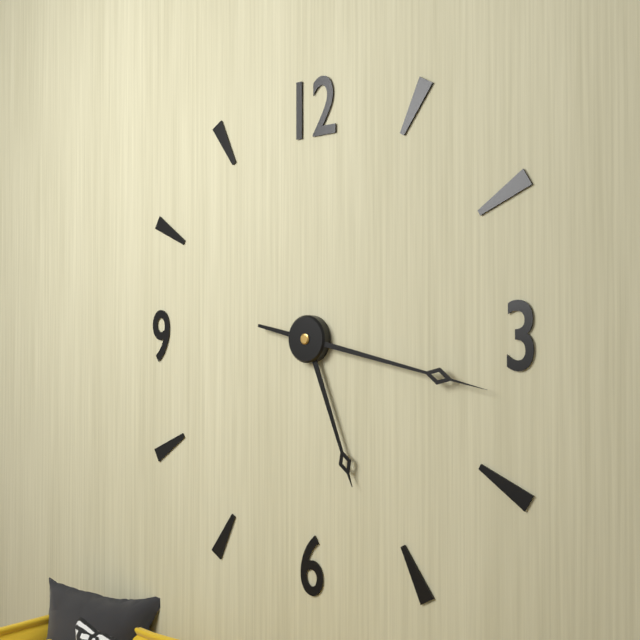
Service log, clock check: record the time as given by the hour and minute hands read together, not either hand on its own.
5:17
